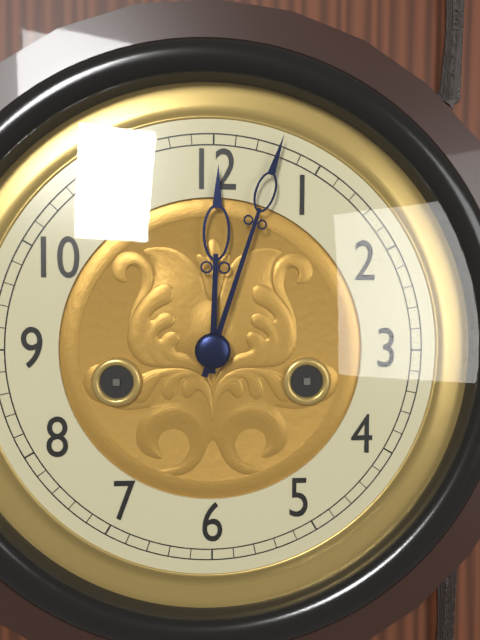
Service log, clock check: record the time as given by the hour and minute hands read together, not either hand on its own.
12:03
